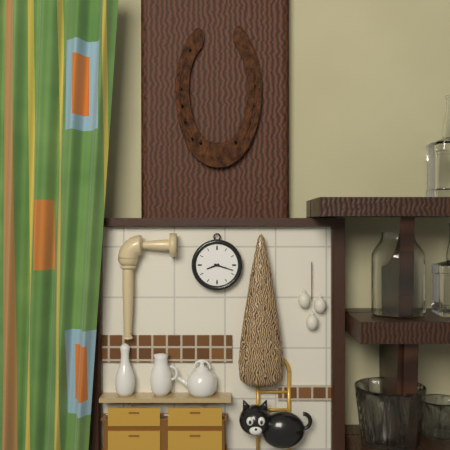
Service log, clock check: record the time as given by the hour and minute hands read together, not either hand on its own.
8:18
